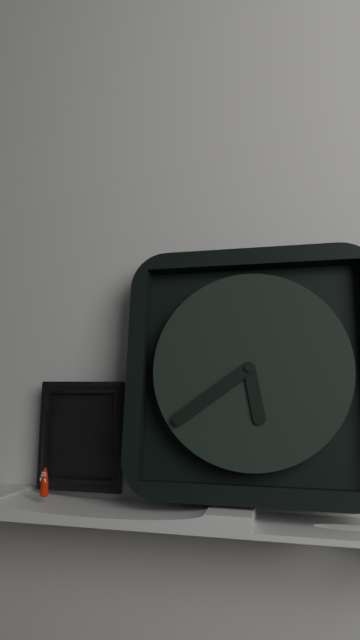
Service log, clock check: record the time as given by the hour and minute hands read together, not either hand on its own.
5:39
